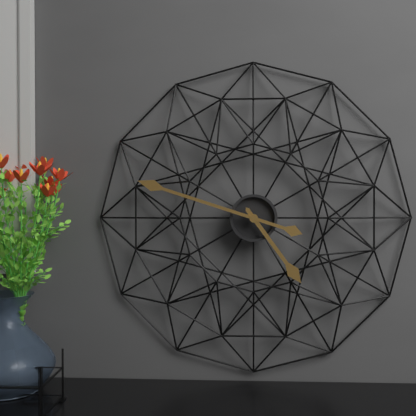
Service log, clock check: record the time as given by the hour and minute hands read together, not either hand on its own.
4:48
